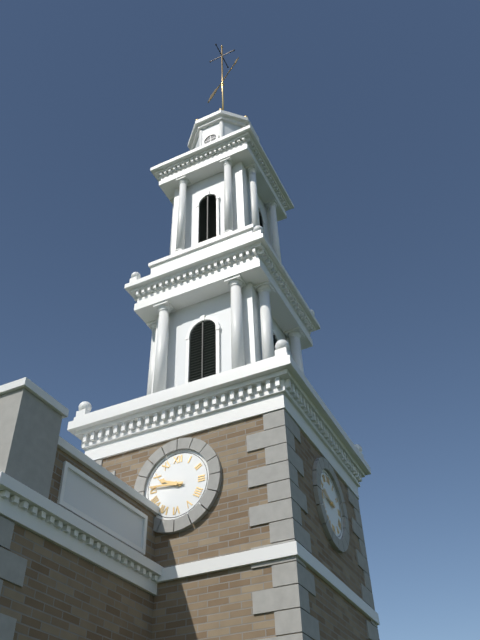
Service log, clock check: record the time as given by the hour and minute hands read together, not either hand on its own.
9:46
